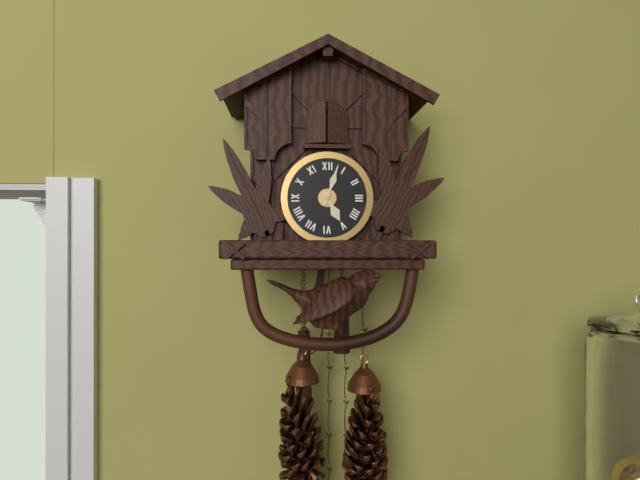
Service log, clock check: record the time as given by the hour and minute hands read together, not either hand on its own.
5:03
